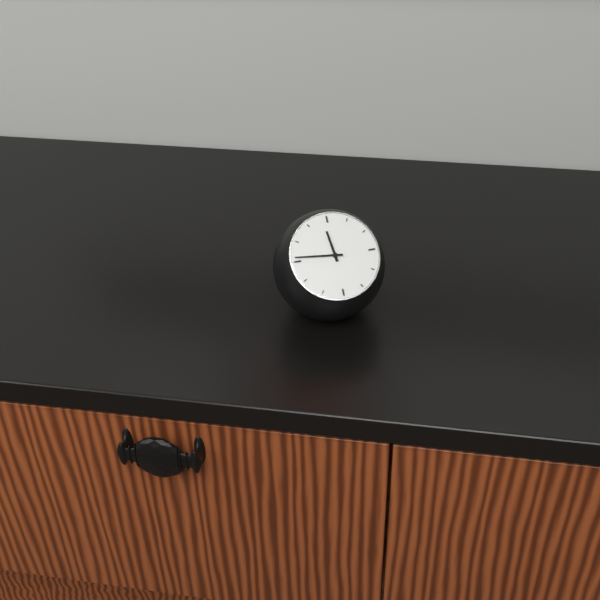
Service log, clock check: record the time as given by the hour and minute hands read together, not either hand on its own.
11:46
